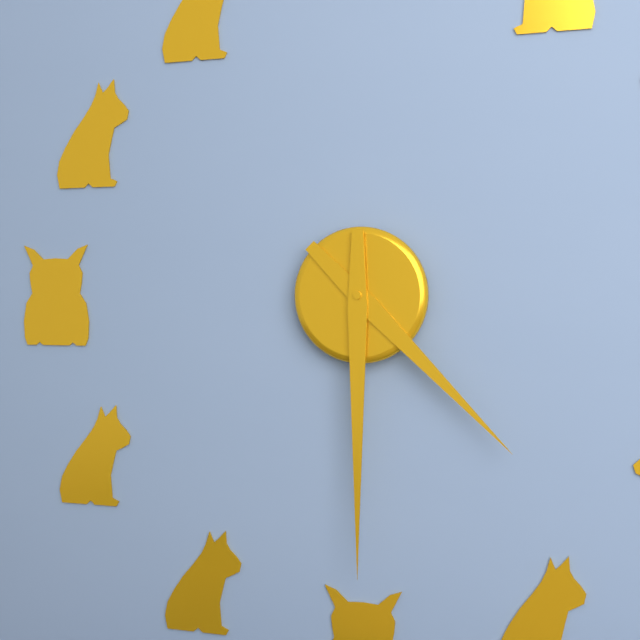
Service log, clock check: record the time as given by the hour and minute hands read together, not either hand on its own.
4:30
